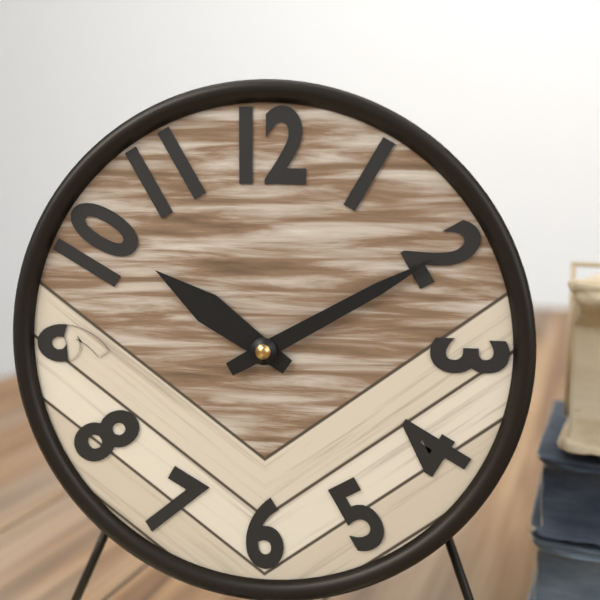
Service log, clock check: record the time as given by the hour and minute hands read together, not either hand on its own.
10:10
